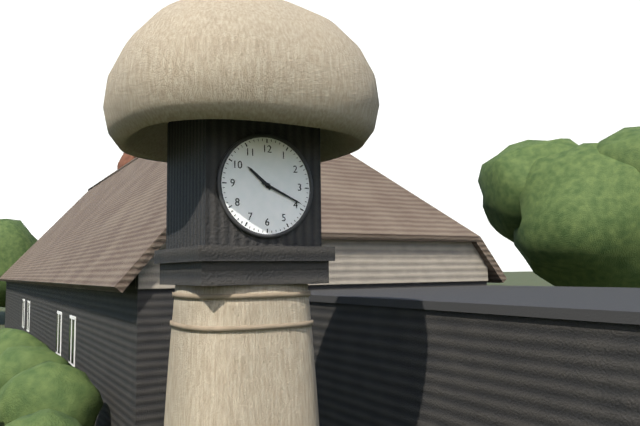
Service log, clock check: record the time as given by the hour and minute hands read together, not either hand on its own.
10:19
